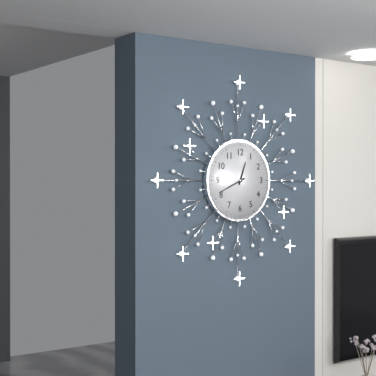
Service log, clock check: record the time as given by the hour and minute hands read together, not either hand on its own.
12:41
